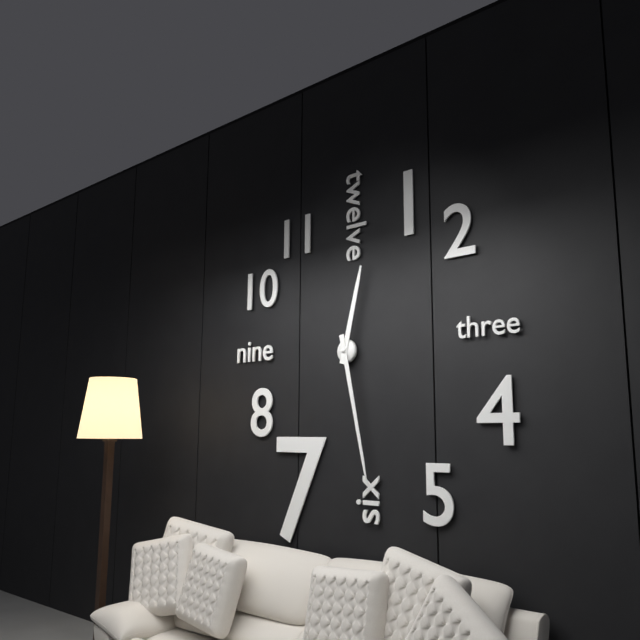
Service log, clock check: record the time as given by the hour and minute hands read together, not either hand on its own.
12:28
